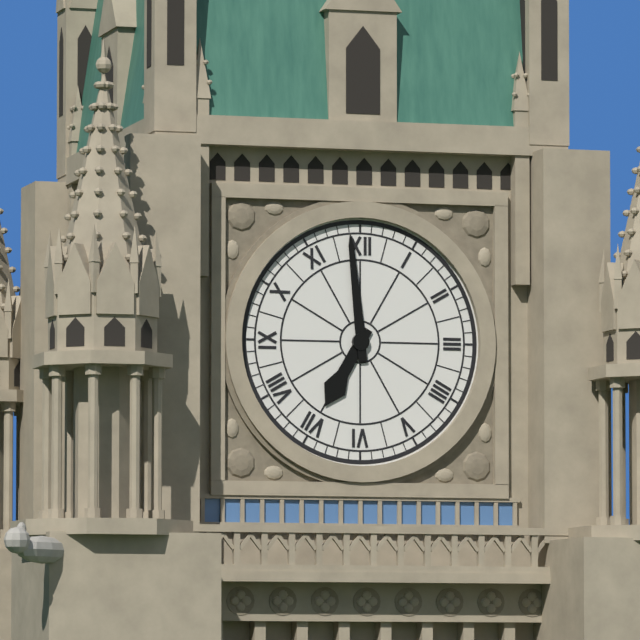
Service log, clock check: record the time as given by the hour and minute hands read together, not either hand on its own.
6:59
